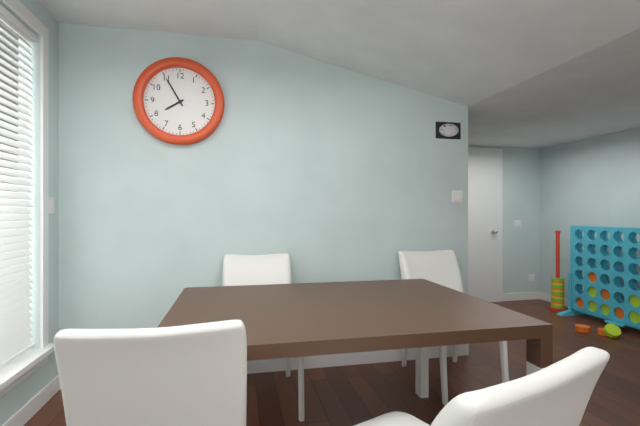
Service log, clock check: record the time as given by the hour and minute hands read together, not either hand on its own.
7:55
